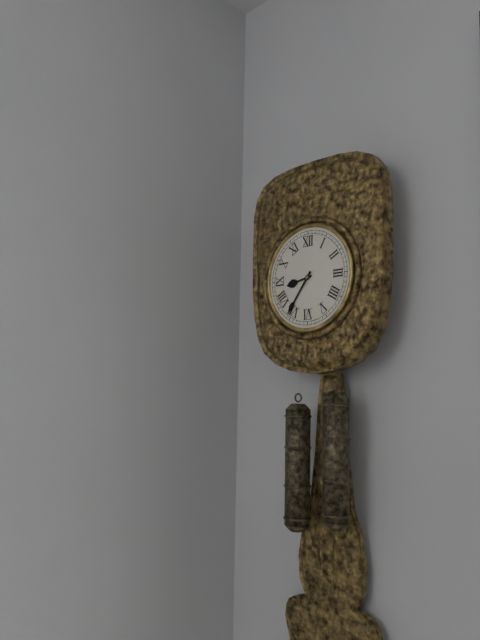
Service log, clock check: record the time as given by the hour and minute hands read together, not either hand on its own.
8:36
